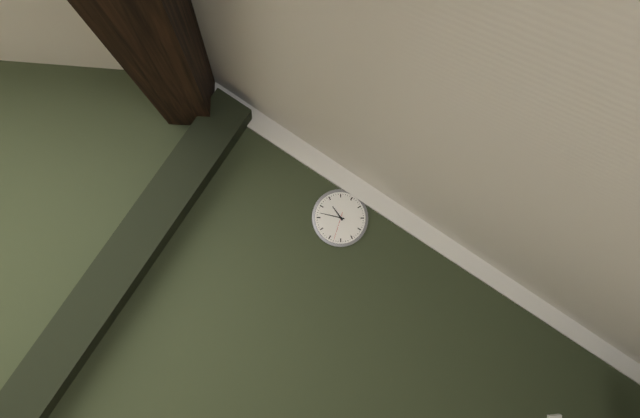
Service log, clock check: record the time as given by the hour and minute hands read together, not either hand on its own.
10:47
